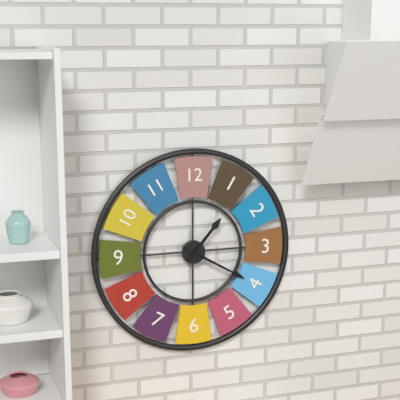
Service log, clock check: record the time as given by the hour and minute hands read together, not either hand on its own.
1:20
